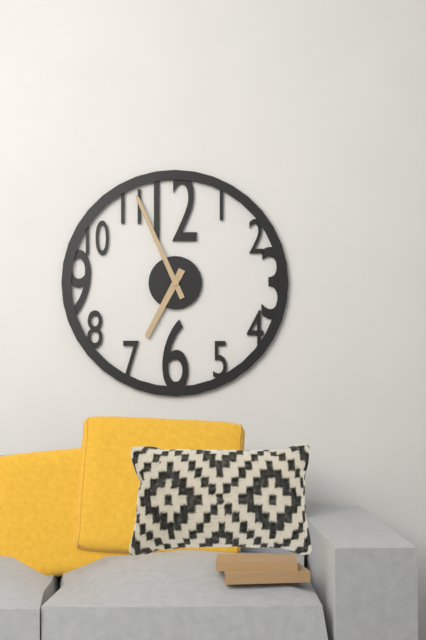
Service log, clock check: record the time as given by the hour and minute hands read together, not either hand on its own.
6:56
